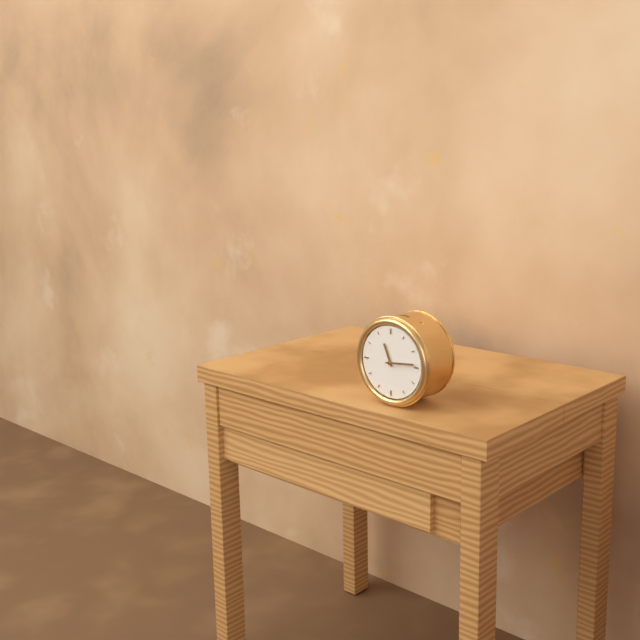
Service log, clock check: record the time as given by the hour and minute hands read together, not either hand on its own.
11:14
